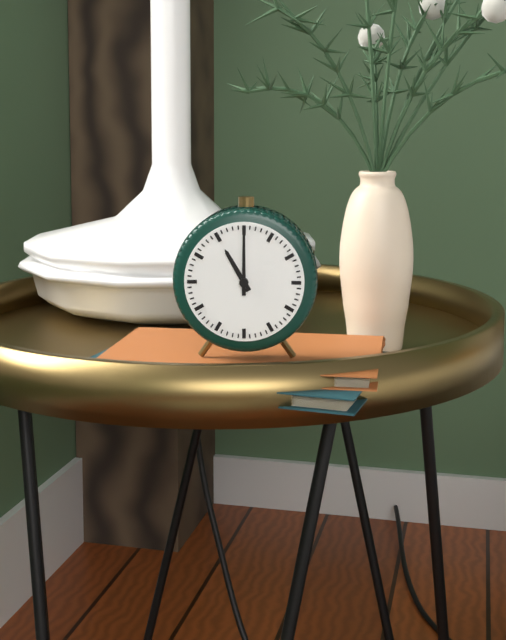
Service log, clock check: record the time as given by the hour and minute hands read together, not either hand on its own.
11:00
